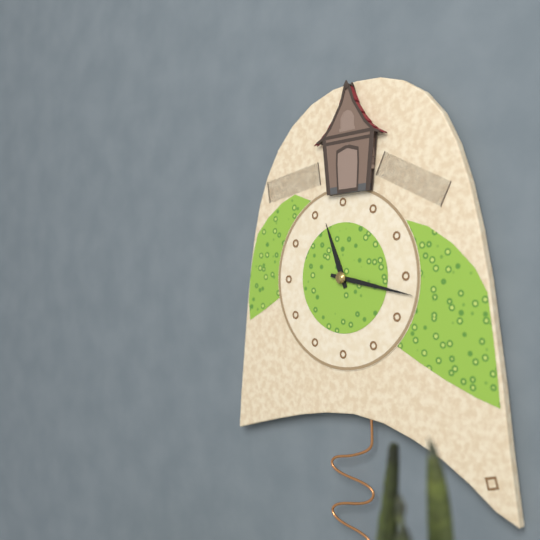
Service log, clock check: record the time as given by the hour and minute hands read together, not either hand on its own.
11:17
